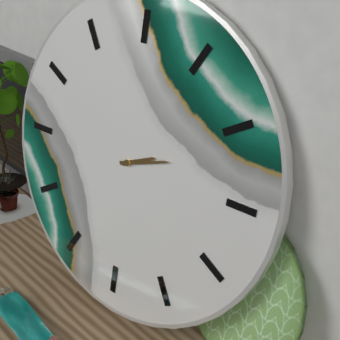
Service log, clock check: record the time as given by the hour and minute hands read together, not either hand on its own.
2:12
